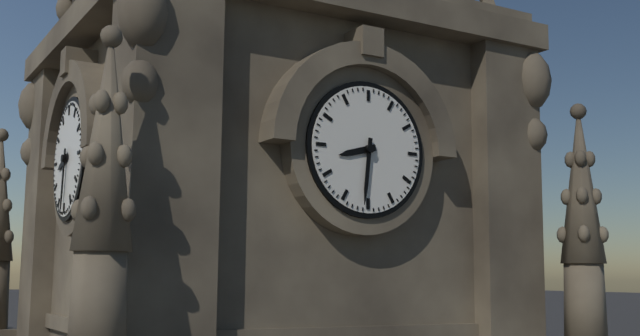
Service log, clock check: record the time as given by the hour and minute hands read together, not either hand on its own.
8:31
